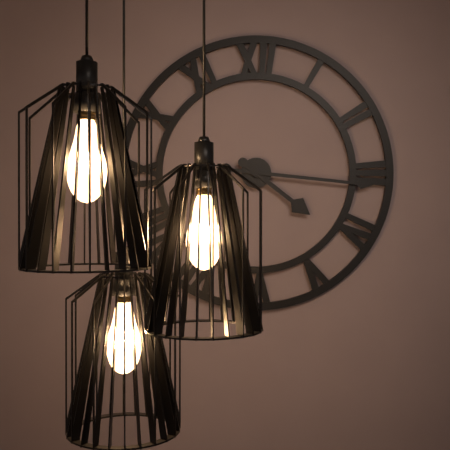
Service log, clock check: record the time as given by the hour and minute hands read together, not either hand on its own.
4:16
